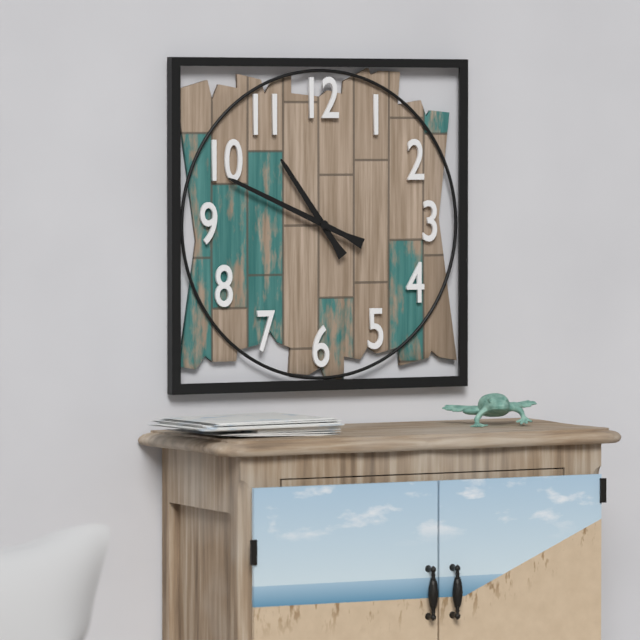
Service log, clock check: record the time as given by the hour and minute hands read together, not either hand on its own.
10:49
